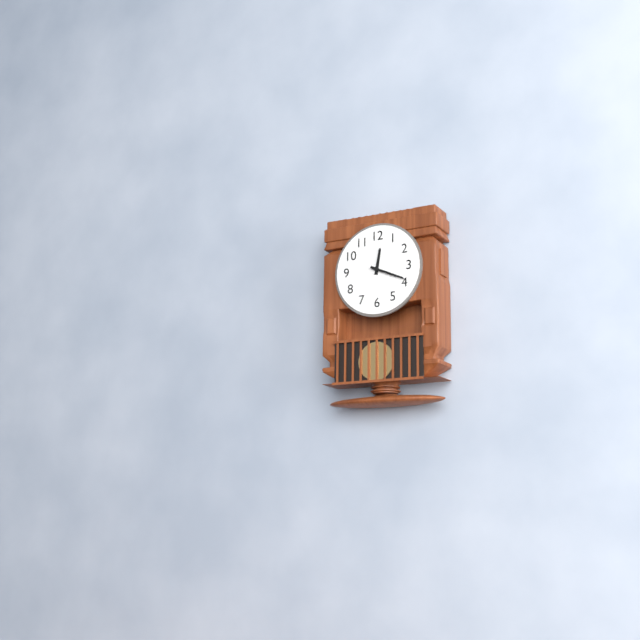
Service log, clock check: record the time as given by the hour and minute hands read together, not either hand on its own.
12:19
